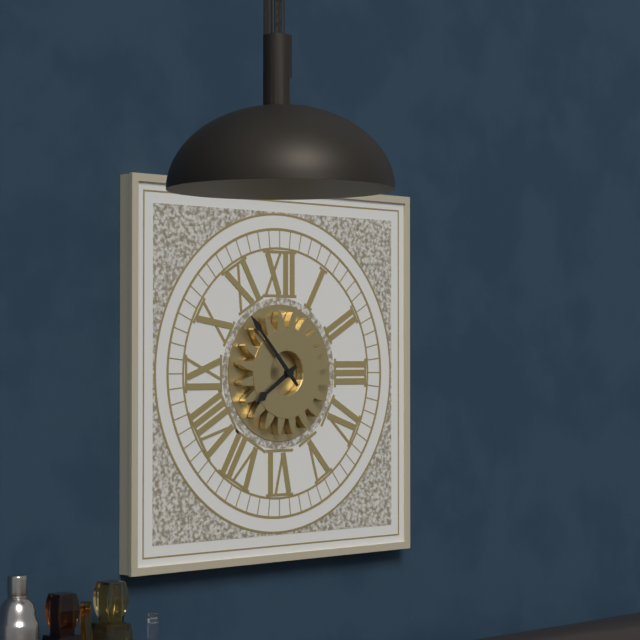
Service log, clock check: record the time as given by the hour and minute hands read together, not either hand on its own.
7:53
